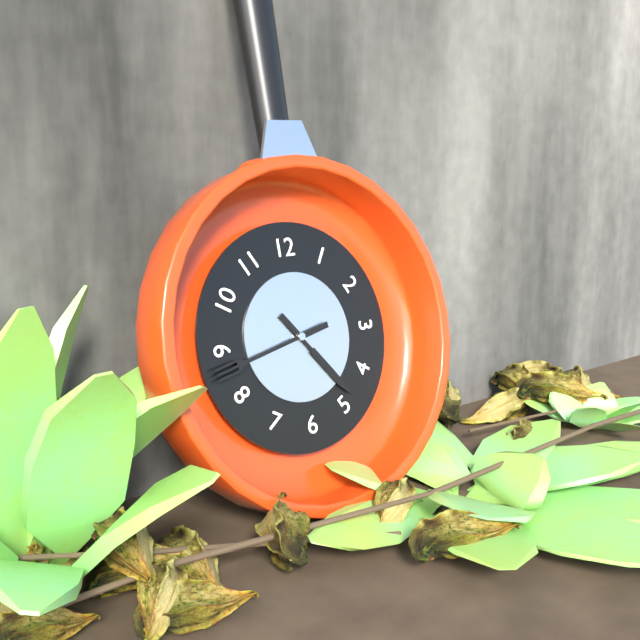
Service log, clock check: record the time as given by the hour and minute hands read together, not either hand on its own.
4:43
